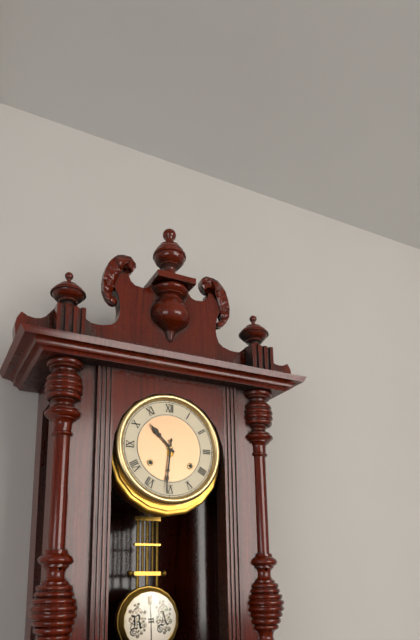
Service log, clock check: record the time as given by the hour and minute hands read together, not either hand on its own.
10:31
